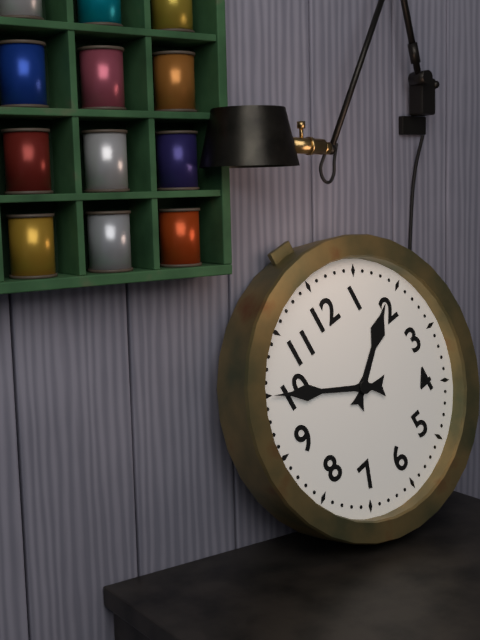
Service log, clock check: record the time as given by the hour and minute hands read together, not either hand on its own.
1:50
